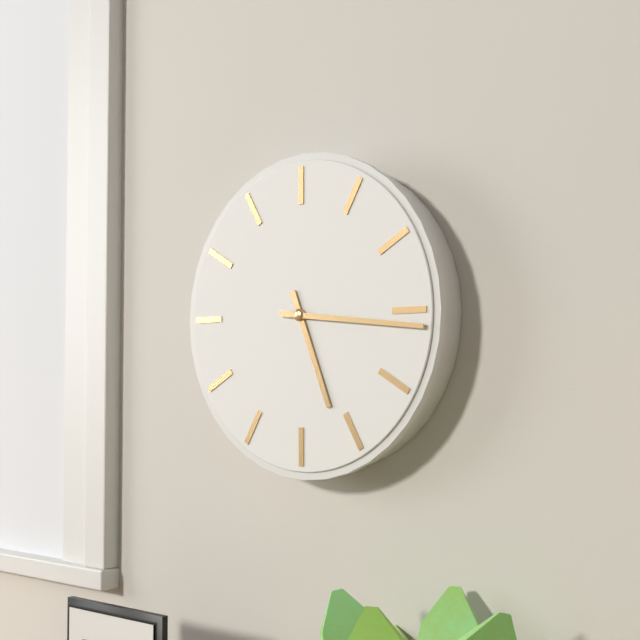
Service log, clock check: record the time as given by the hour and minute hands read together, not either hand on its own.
5:16
